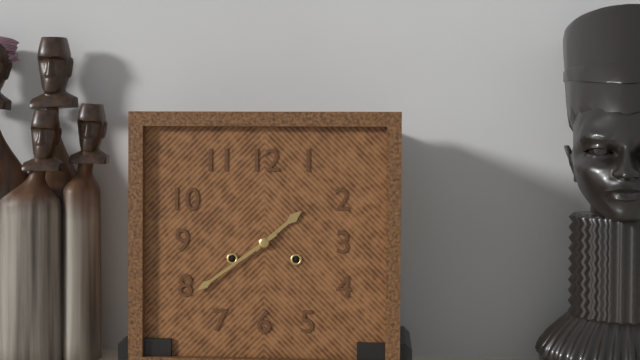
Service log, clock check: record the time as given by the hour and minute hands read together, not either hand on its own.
1:39
